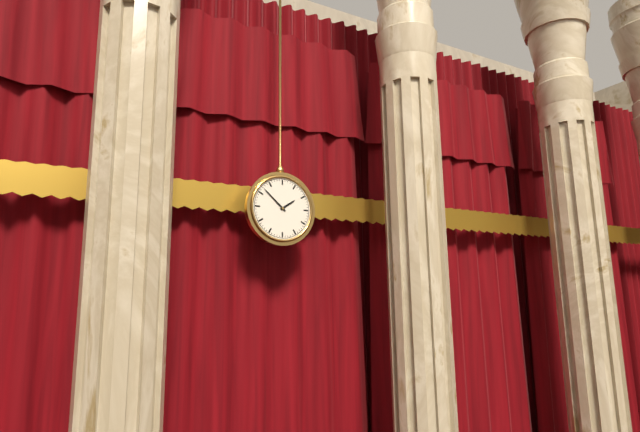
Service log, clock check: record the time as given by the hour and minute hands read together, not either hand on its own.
1:52
